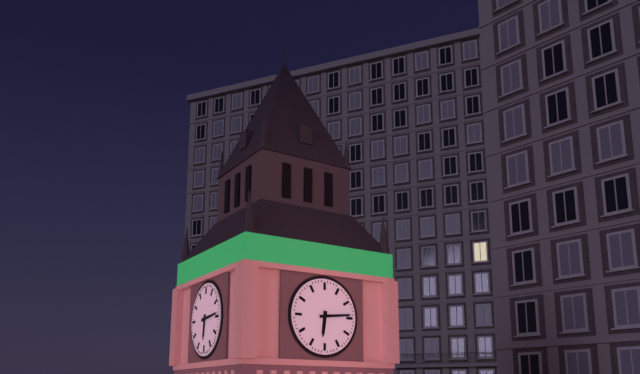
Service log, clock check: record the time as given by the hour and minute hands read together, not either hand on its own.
6:14
